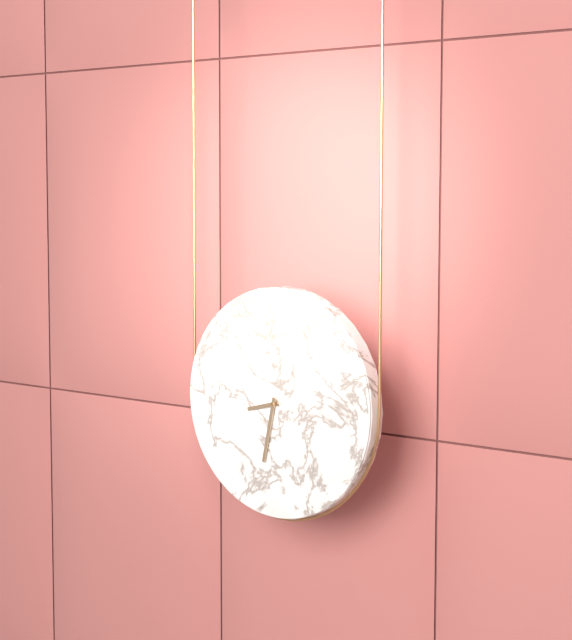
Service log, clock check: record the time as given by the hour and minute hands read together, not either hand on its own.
8:32
